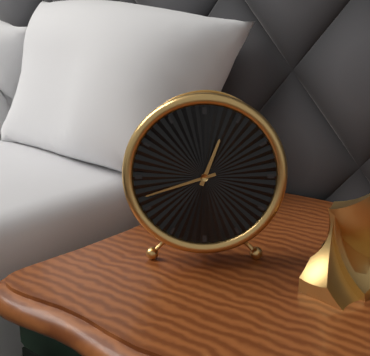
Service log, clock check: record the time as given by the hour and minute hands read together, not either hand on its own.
12:42
